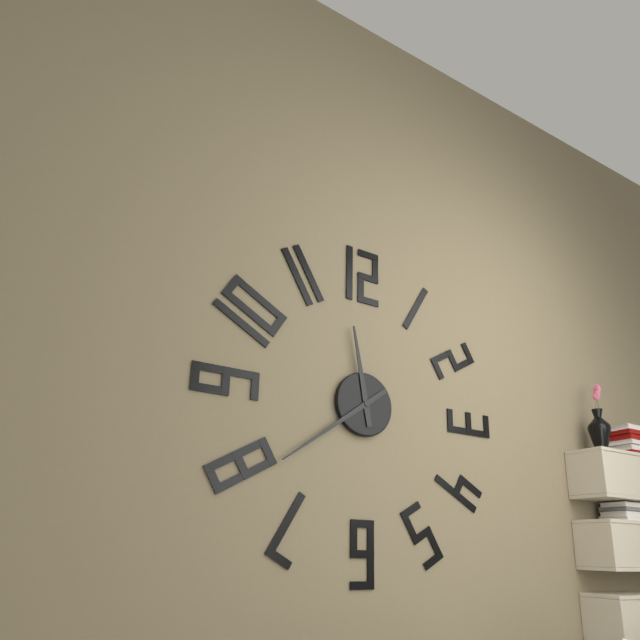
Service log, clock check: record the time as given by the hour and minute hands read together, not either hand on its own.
11:39
